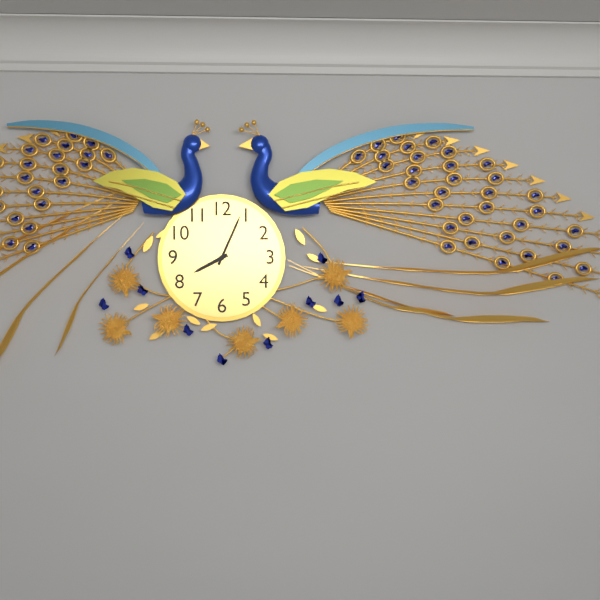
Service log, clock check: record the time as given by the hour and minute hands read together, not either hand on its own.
8:04
